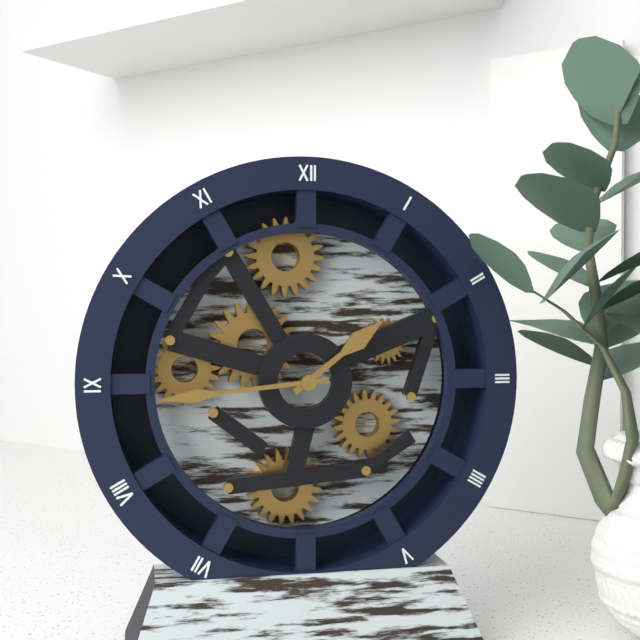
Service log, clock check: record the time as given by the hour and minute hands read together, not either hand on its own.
1:44
